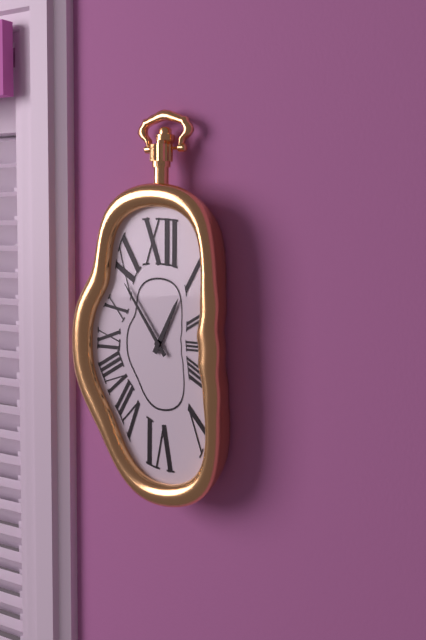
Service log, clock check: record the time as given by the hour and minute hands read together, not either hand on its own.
12:54
